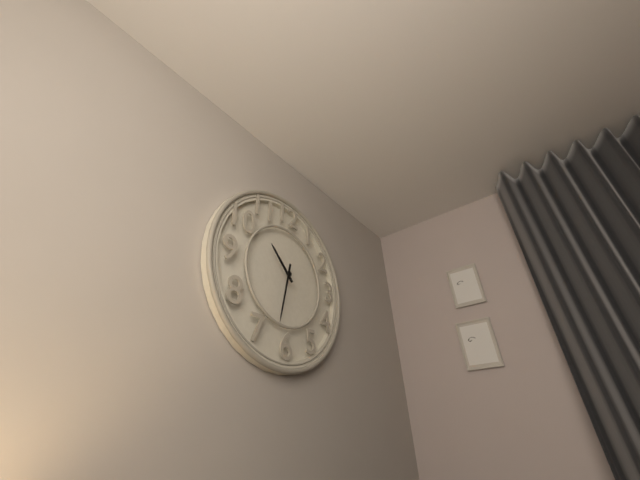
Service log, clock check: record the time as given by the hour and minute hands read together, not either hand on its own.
10:32
